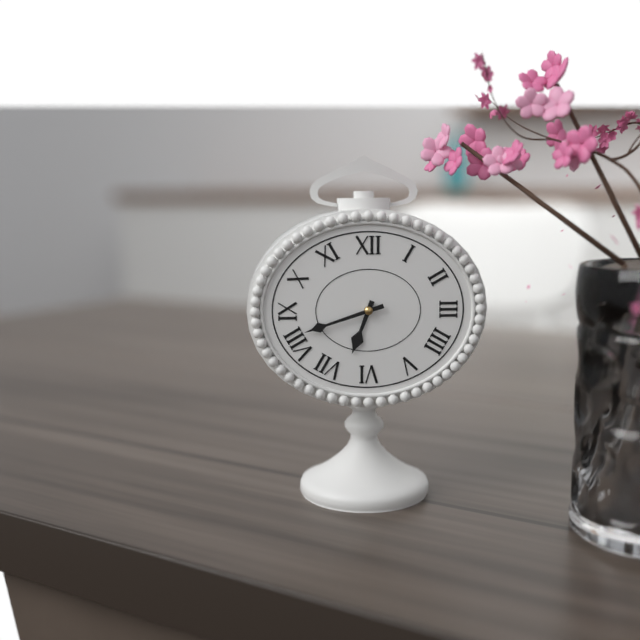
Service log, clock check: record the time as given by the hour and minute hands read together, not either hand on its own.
6:42
